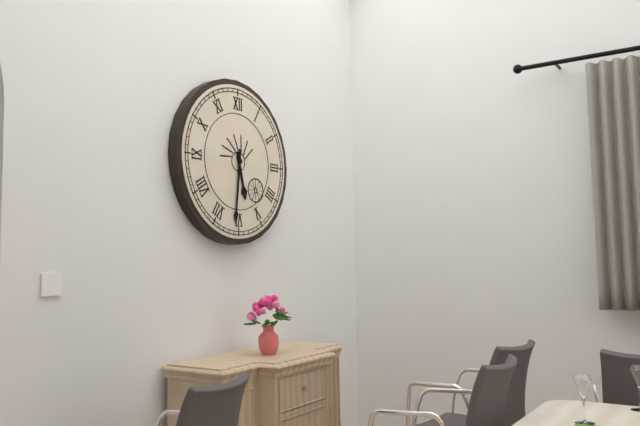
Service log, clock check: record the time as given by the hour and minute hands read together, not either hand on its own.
5:31
